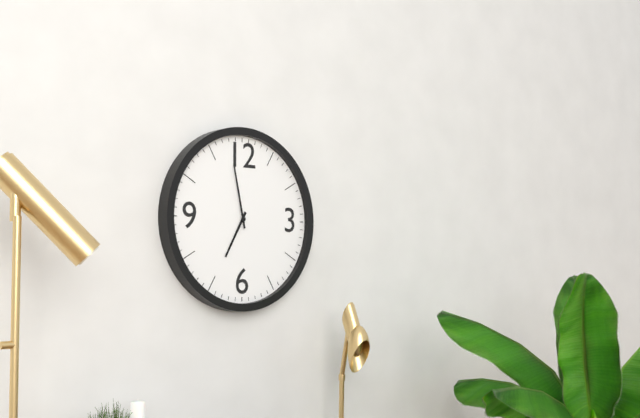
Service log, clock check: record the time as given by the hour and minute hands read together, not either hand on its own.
6:58
